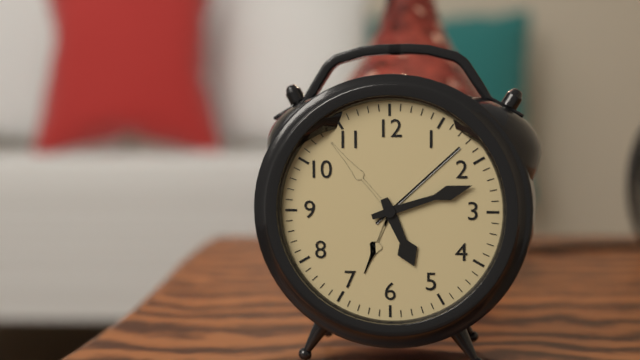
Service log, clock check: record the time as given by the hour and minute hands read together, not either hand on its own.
5:12
